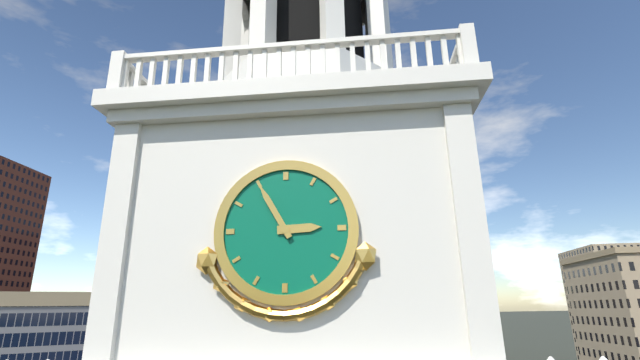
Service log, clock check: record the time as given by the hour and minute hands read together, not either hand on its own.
2:55
